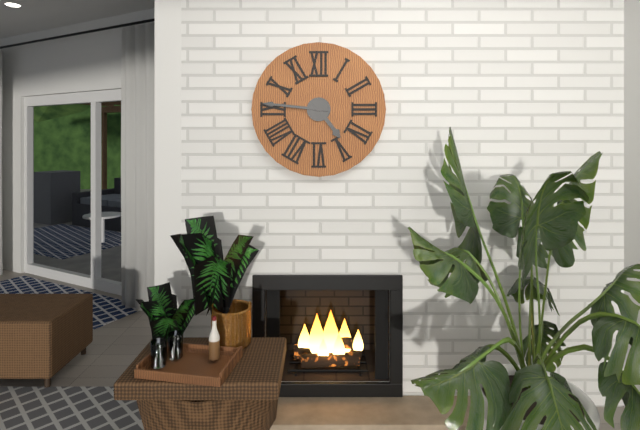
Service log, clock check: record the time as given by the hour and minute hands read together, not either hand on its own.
4:46
